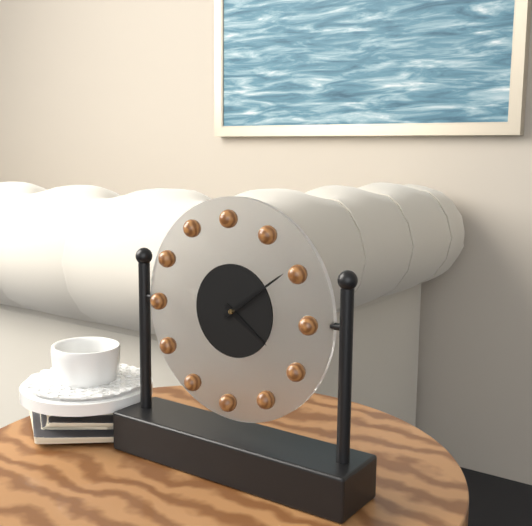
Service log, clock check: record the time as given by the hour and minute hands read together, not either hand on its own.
4:09
